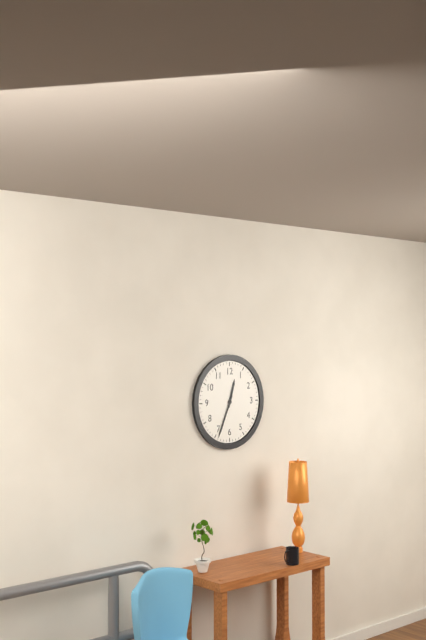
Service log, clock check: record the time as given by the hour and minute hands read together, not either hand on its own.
12:34
